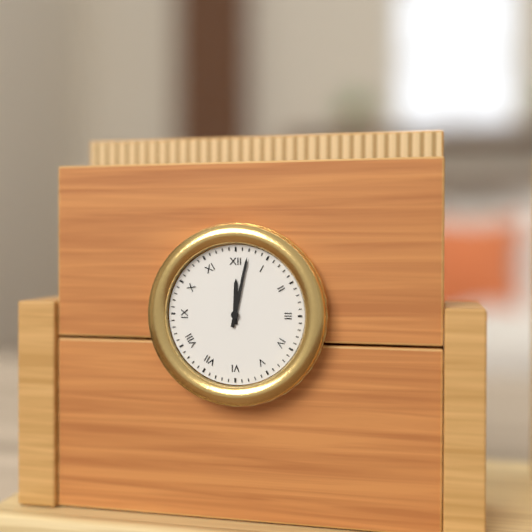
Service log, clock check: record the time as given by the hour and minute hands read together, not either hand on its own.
12:02
